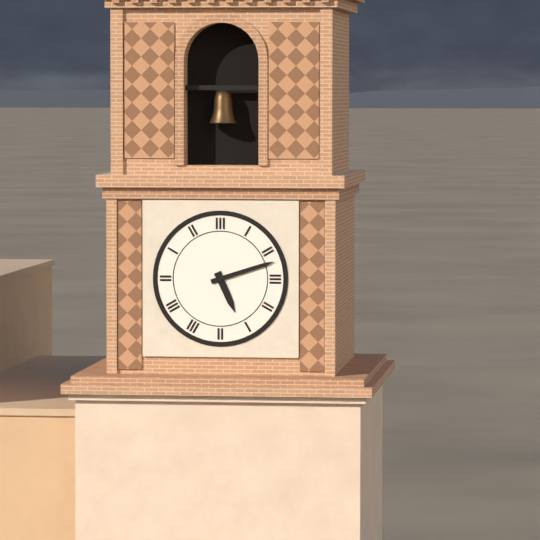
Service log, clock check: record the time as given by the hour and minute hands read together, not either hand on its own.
5:12
